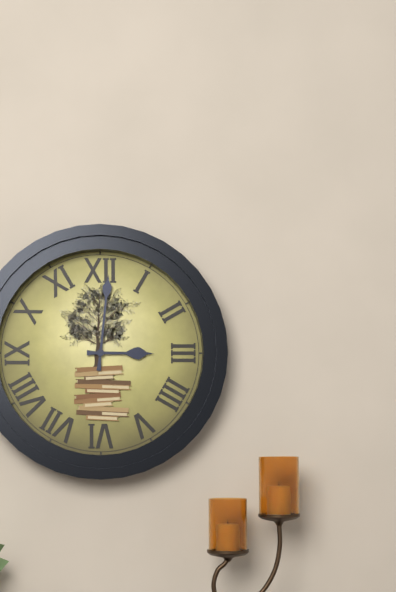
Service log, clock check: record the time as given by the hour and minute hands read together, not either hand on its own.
3:01
